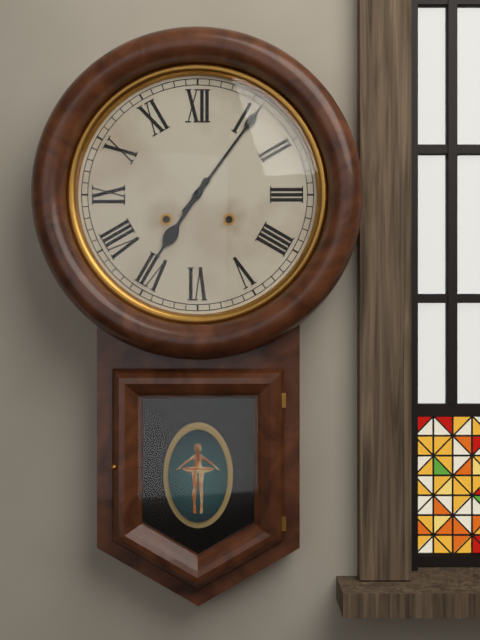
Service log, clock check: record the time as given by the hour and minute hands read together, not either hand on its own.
7:06
